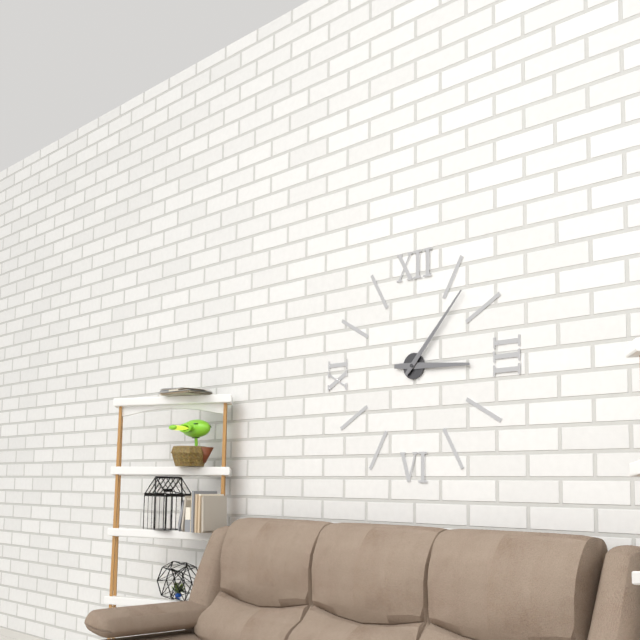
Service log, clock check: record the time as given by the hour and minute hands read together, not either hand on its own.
3:07
